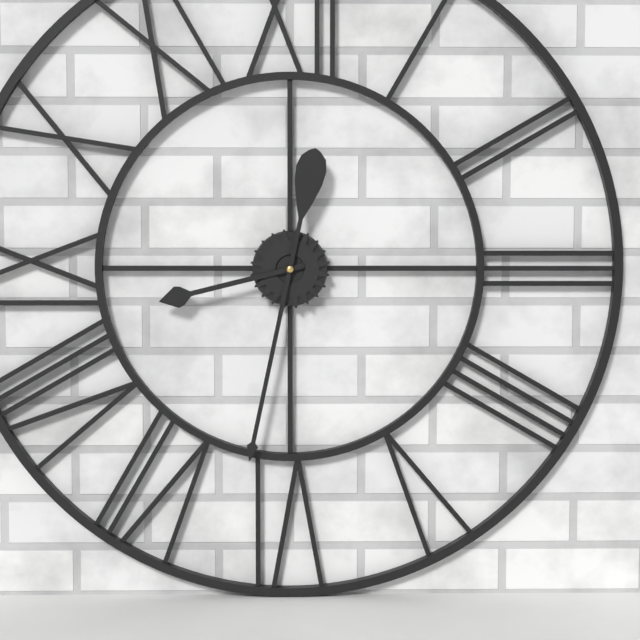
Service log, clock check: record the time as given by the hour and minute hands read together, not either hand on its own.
8:32
